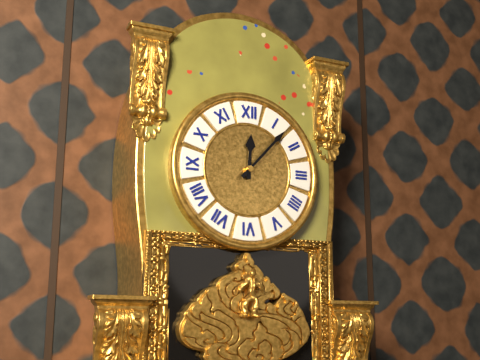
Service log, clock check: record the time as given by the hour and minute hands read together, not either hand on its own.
12:07
